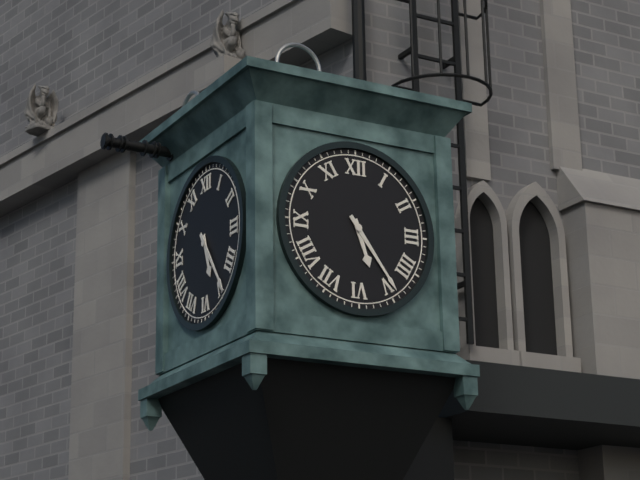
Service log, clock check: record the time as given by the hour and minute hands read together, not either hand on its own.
5:24
